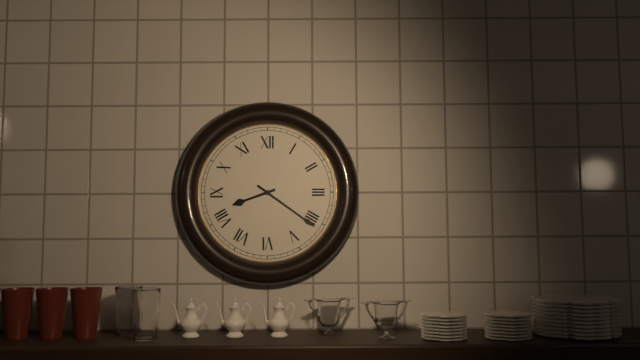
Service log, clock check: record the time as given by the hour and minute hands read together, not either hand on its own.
8:21
